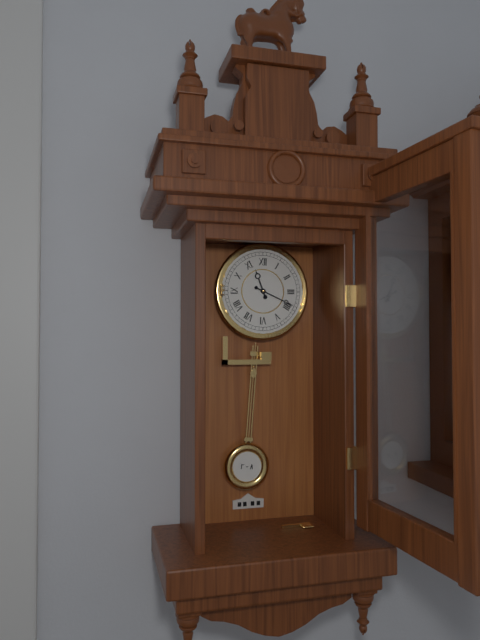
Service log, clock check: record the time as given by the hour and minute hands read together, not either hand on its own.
11:19
